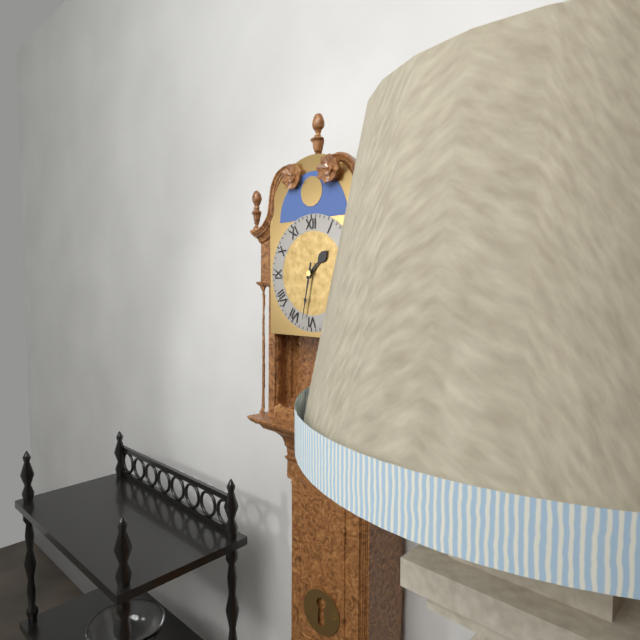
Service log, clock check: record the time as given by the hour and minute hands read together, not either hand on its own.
1:32
